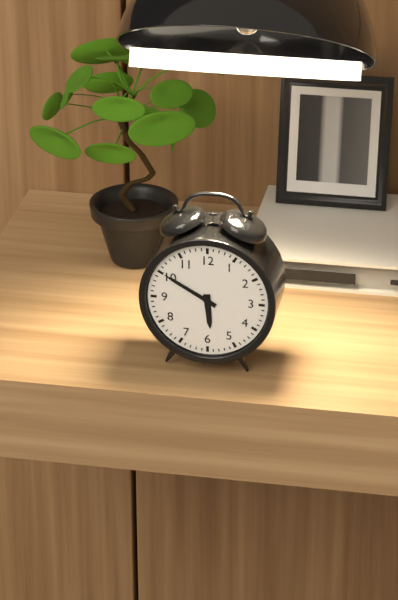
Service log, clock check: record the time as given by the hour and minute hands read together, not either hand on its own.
5:50
